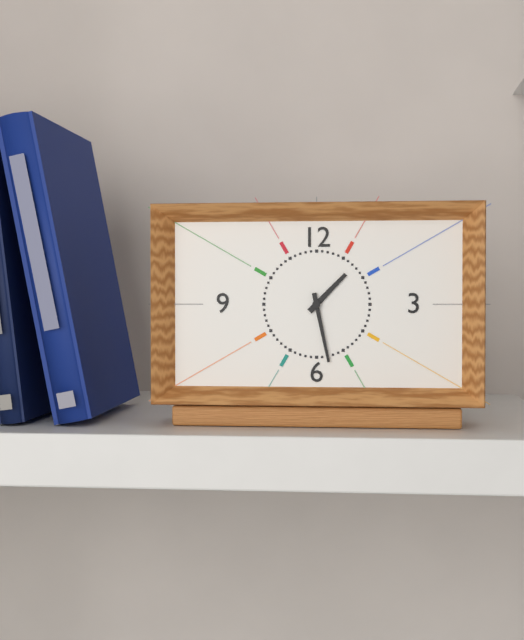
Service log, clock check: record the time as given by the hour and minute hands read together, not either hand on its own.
1:28
